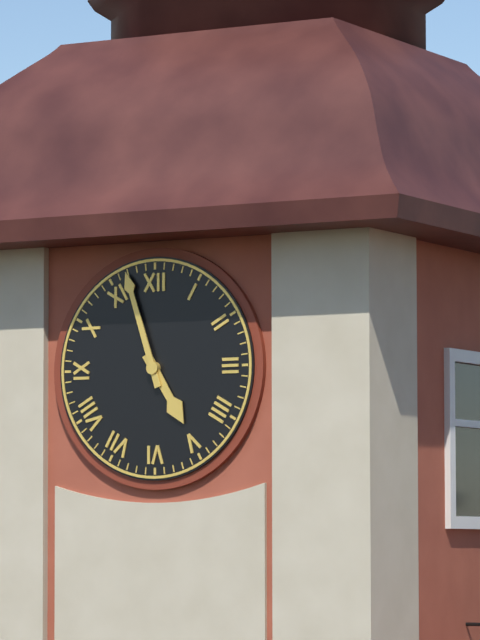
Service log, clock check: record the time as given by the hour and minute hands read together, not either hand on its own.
4:57
